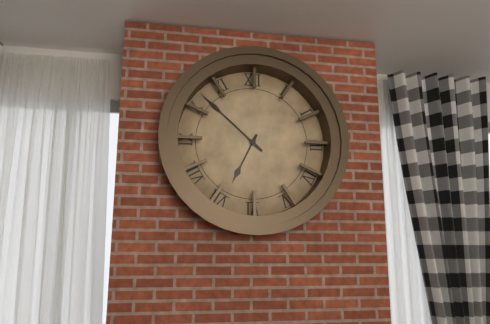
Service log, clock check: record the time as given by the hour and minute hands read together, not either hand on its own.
6:52
